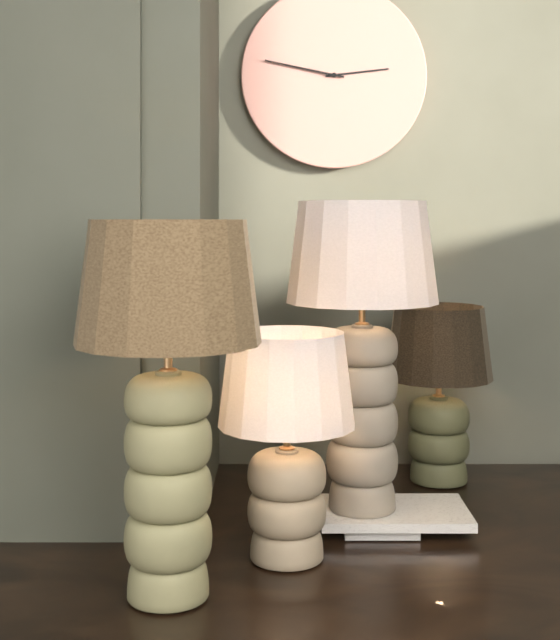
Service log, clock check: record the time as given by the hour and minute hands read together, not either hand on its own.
2:47
